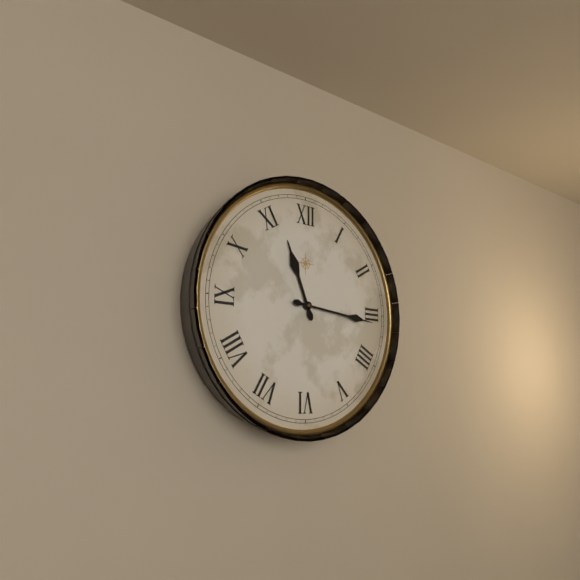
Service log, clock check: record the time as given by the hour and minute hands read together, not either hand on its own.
11:16
